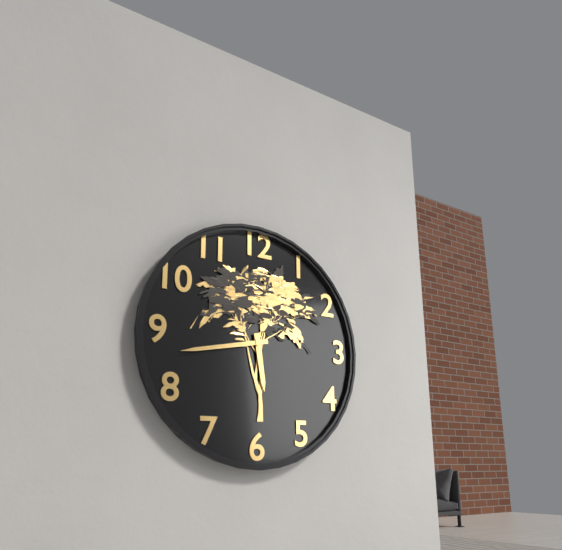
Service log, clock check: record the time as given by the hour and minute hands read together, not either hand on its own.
5:43
